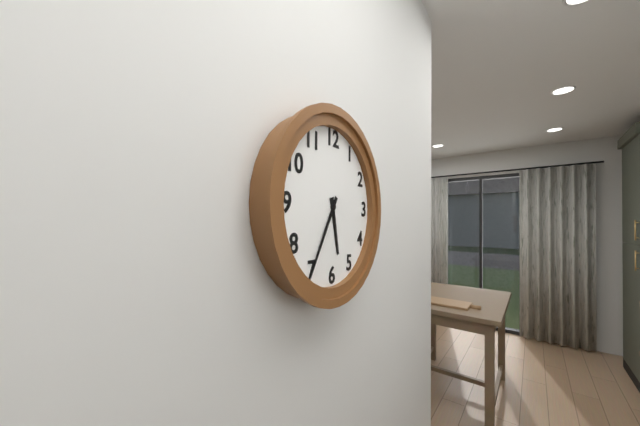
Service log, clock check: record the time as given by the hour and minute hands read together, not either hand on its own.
5:35
